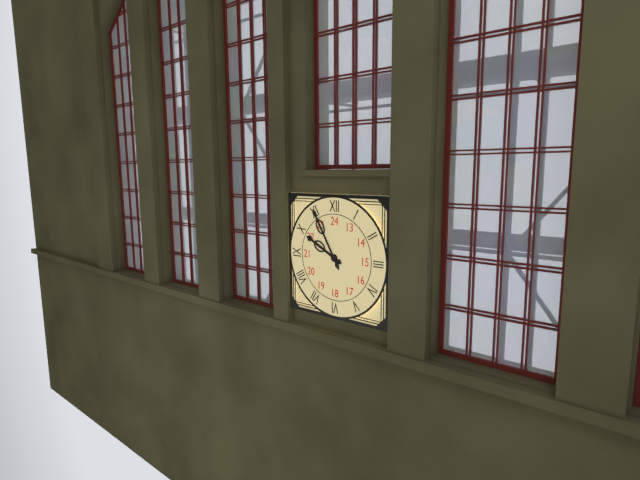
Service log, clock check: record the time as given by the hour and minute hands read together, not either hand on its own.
9:55
